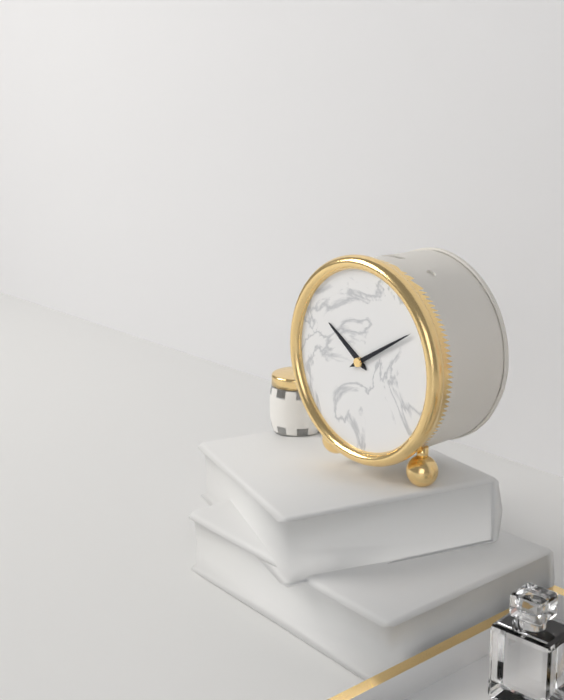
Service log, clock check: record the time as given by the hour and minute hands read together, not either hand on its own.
10:10
